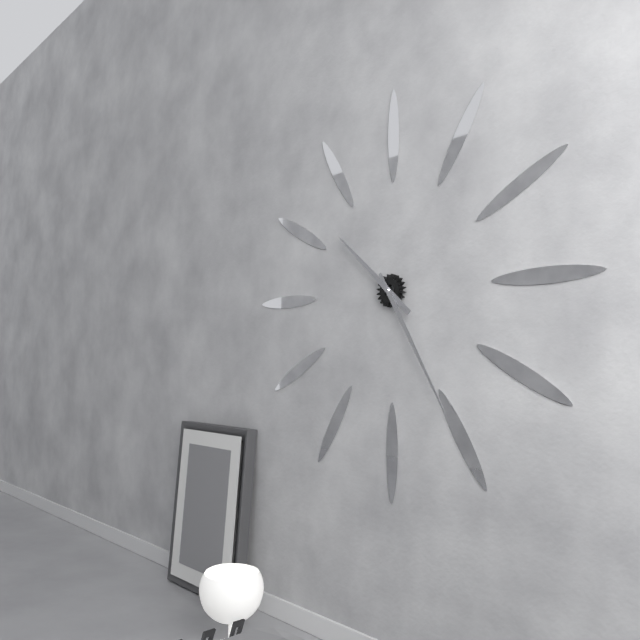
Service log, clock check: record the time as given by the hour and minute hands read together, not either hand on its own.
10:25
